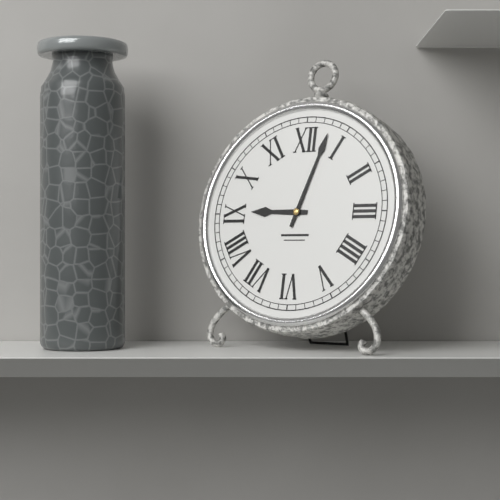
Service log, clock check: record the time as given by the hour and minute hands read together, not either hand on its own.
9:03
